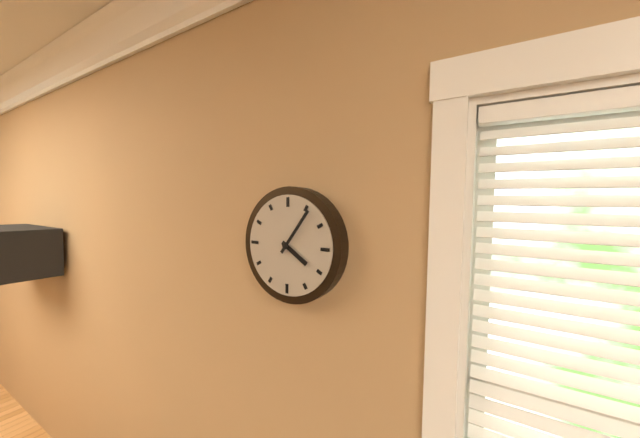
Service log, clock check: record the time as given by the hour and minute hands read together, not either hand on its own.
4:06
